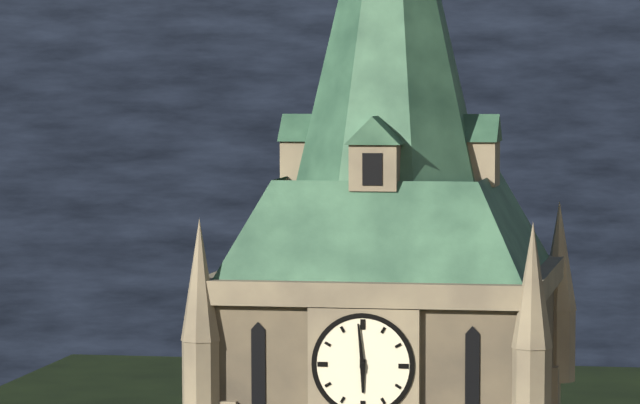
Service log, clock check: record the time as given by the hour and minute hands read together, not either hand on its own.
5:59
